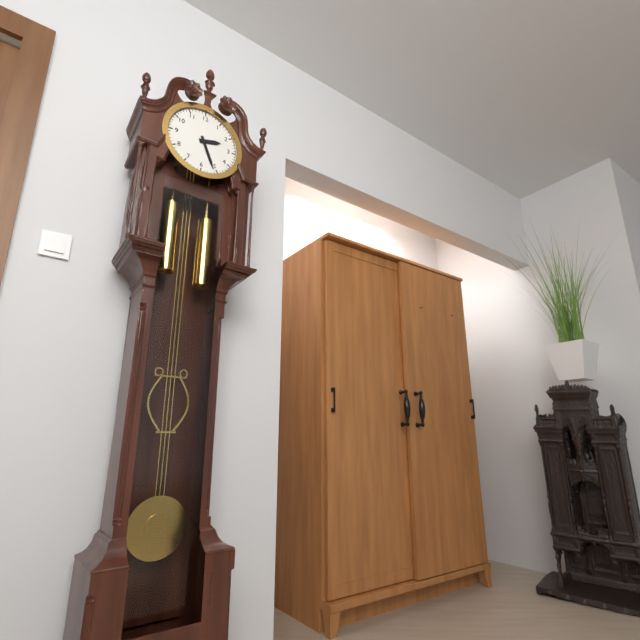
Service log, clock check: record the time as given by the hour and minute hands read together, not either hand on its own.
2:26
